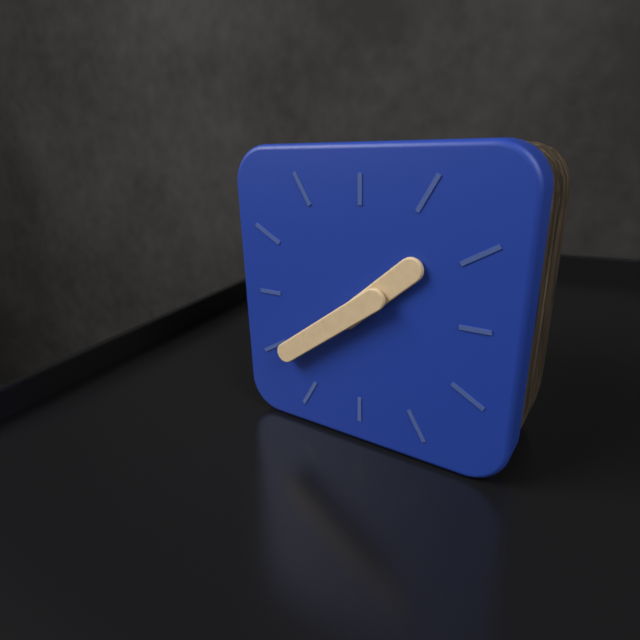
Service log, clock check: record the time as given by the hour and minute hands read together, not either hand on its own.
1:39
